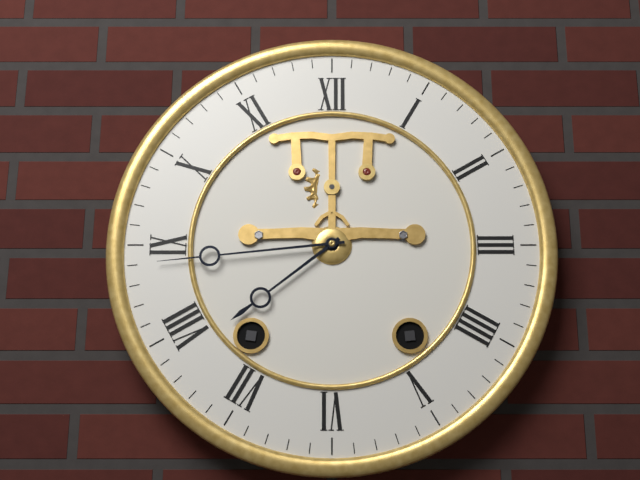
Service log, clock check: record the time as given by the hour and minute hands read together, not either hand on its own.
7:44
